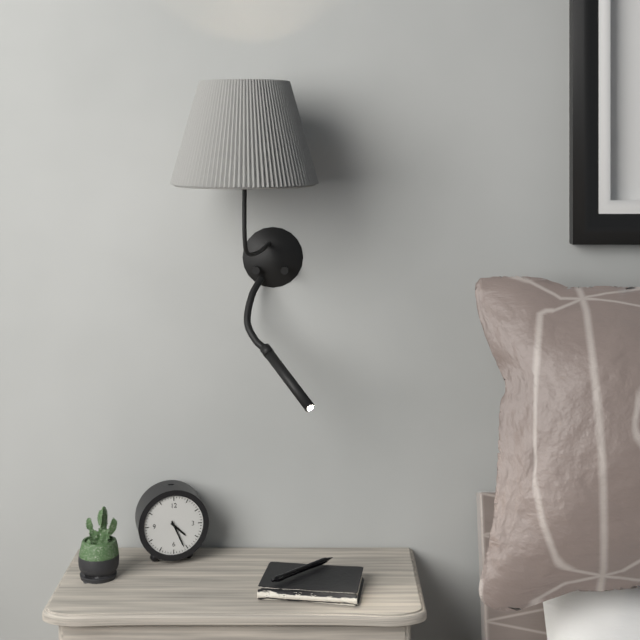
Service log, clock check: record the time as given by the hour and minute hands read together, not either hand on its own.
4:26
